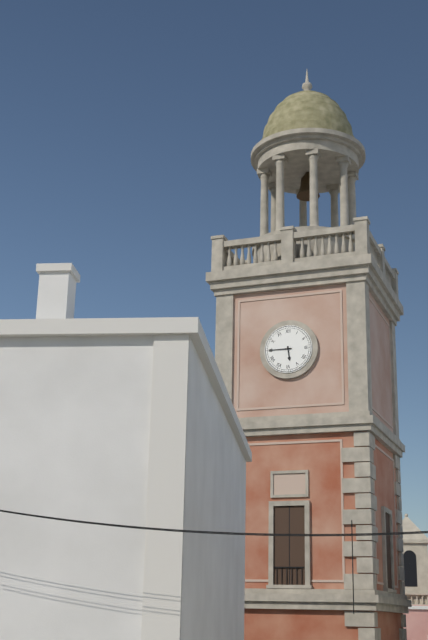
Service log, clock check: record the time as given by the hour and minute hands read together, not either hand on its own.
5:45
